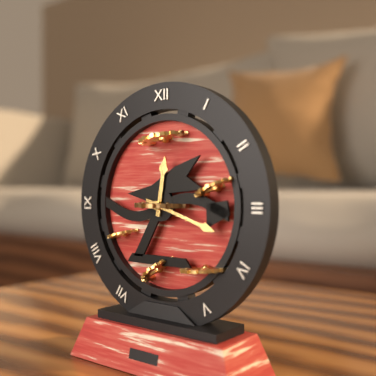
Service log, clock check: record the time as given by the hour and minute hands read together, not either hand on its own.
12:18
